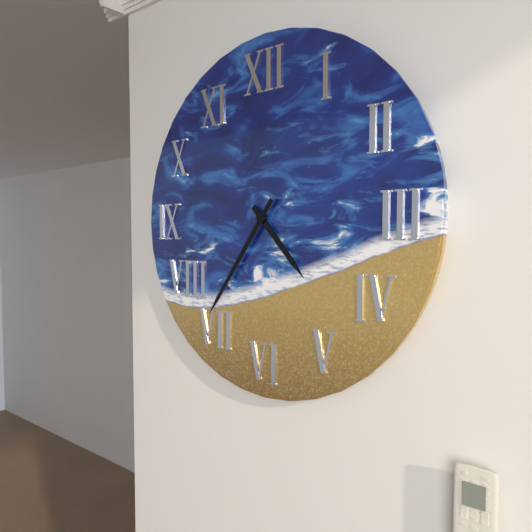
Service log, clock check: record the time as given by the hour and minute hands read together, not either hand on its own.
4:36
